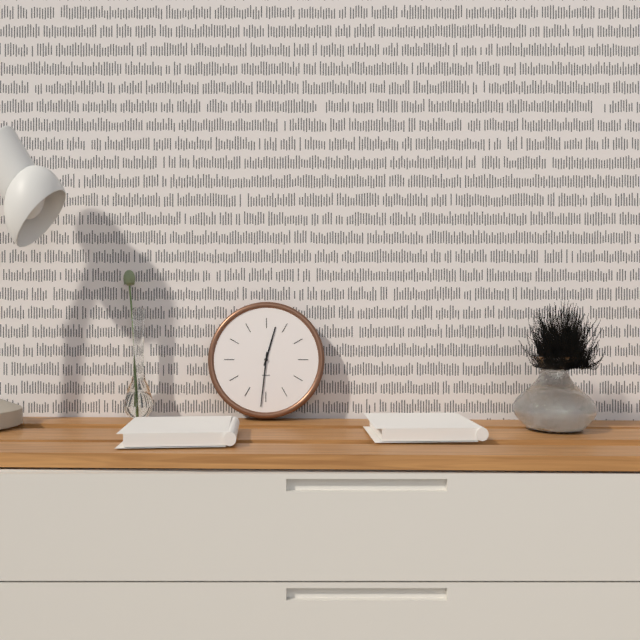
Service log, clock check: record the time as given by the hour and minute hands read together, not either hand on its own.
12:31
